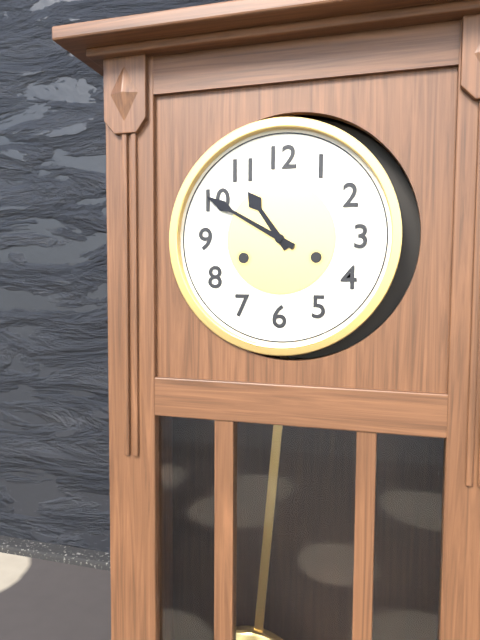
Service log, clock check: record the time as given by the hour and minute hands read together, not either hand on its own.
10:50
